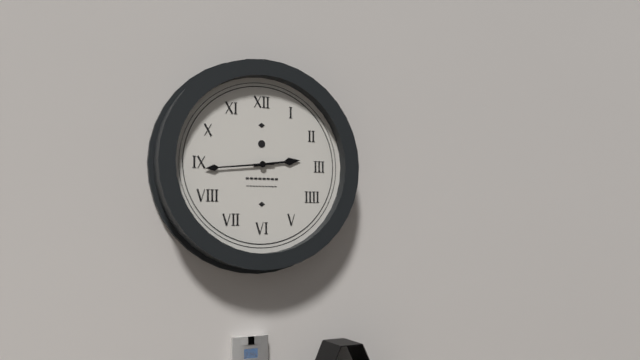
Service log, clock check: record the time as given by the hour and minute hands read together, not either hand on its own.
2:44
